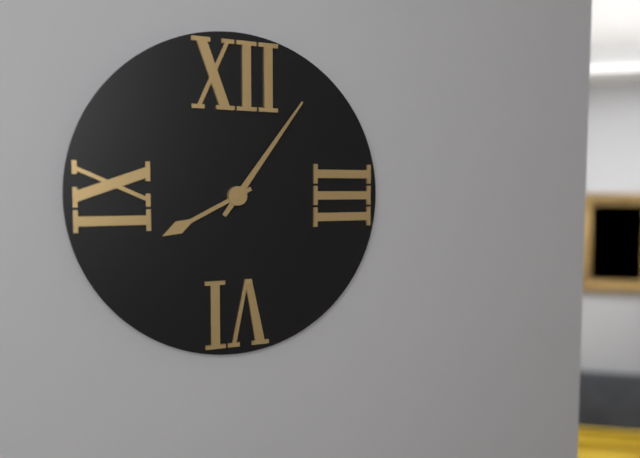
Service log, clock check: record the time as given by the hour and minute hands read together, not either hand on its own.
8:06
